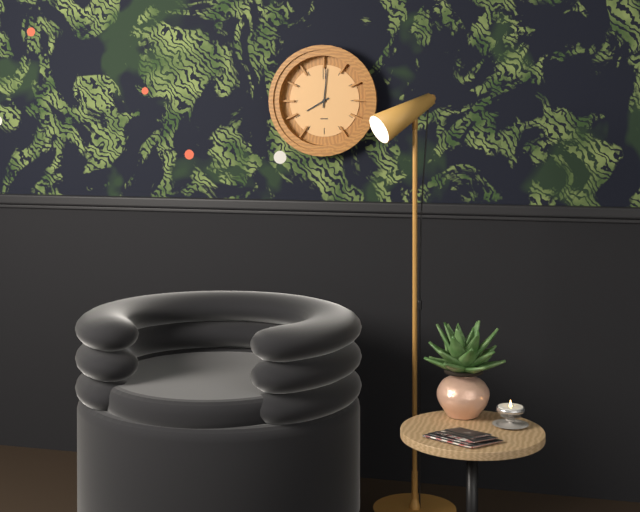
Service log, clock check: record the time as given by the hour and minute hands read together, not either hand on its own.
8:01
